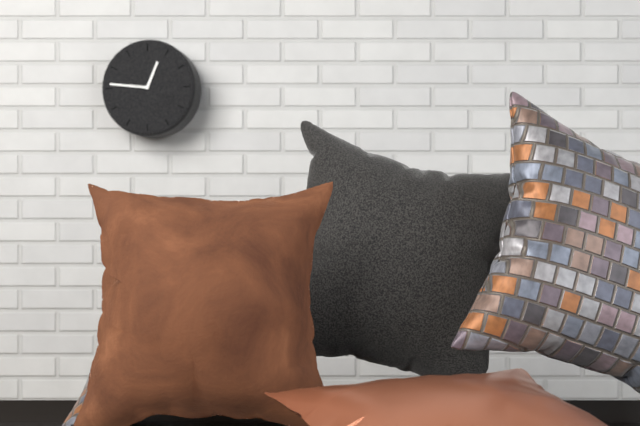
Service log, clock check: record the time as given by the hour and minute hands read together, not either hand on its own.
12:46
